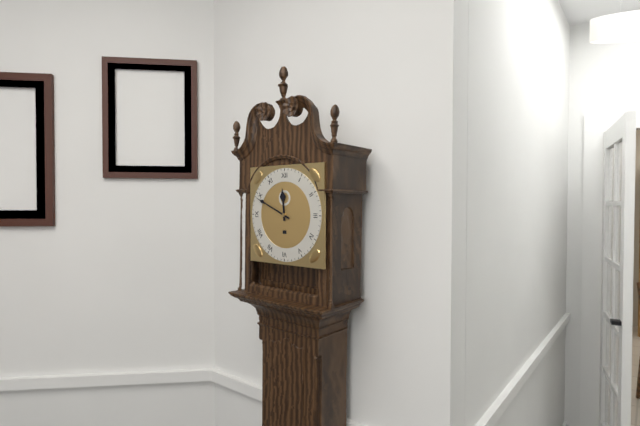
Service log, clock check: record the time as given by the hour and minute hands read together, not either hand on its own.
11:49
